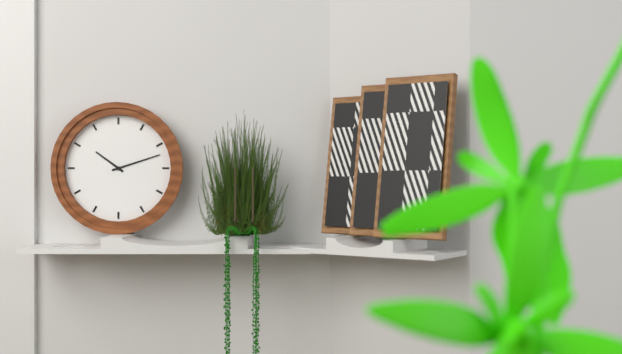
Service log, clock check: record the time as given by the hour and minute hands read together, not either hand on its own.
10:12
